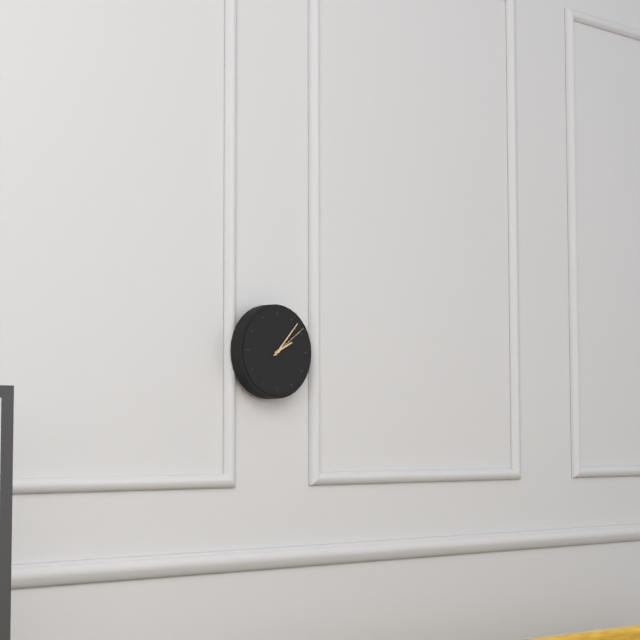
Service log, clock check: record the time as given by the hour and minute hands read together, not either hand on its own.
2:07
